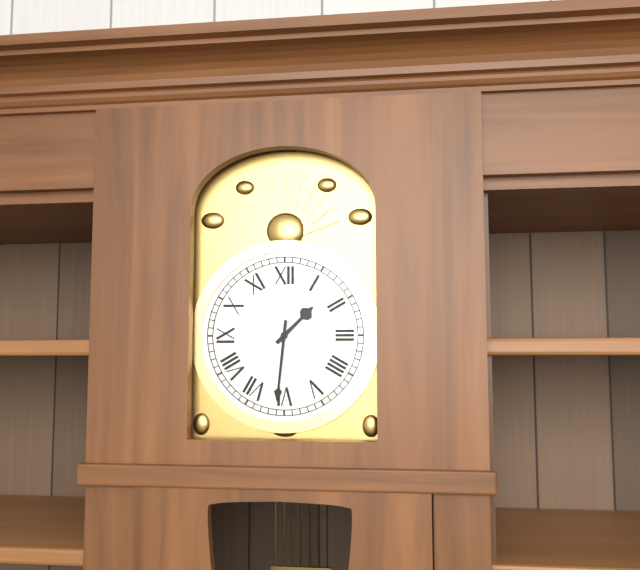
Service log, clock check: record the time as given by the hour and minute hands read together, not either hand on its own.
1:31
